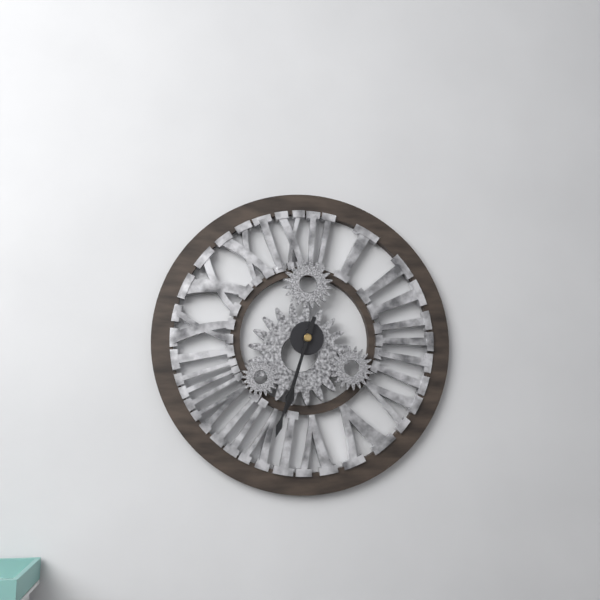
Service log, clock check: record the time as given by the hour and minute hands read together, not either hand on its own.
6:33
